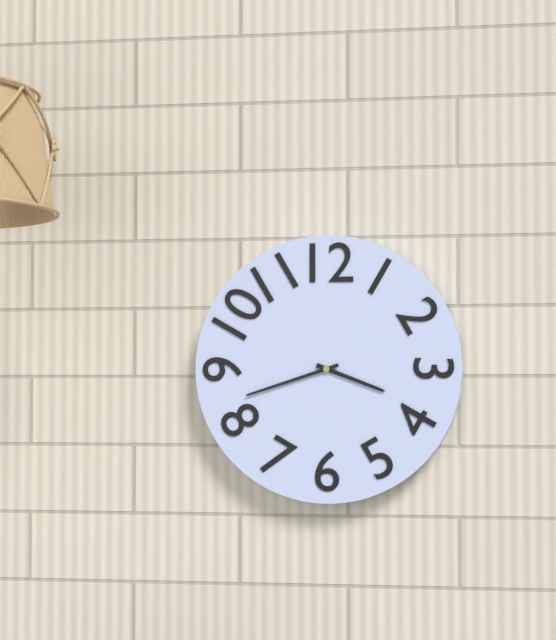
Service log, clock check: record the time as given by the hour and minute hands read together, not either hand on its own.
3:42
